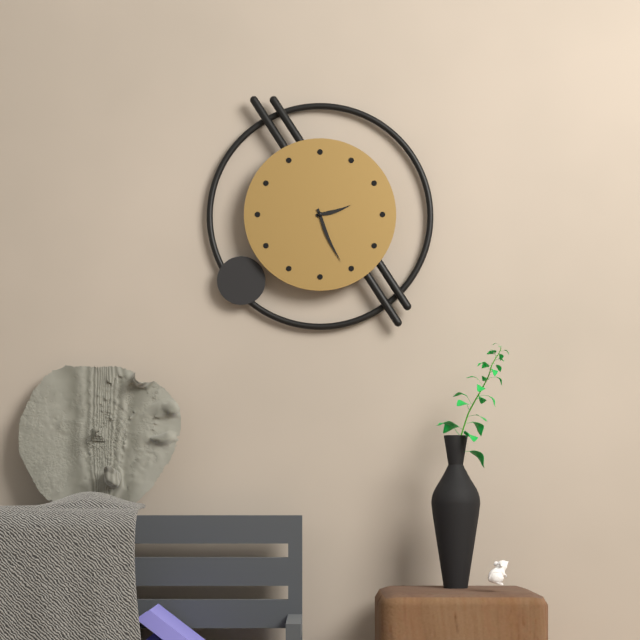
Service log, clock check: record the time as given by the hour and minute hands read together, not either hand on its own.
2:26
